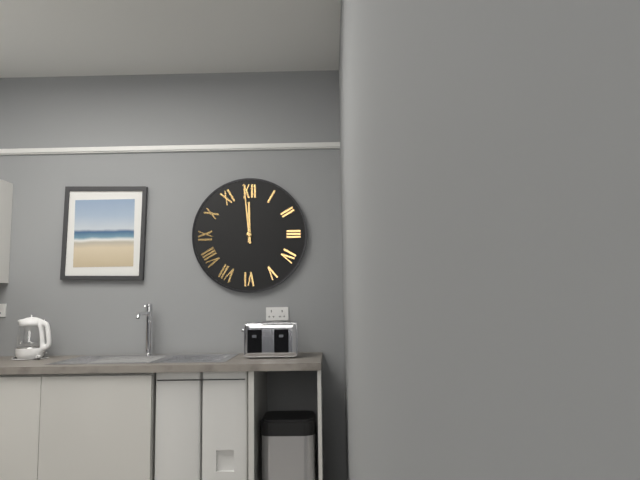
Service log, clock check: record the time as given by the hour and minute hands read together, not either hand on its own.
11:59
